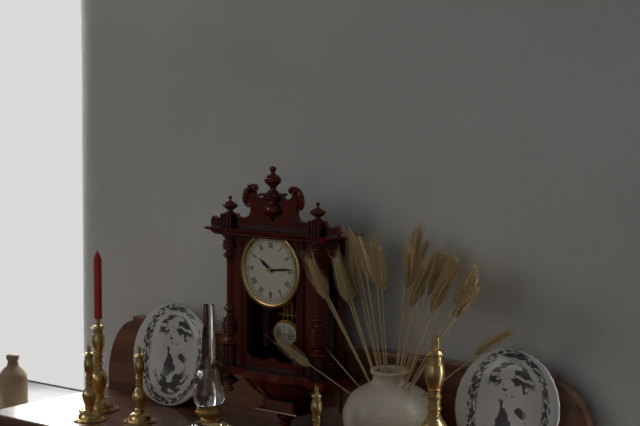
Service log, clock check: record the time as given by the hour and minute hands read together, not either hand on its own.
10:14
